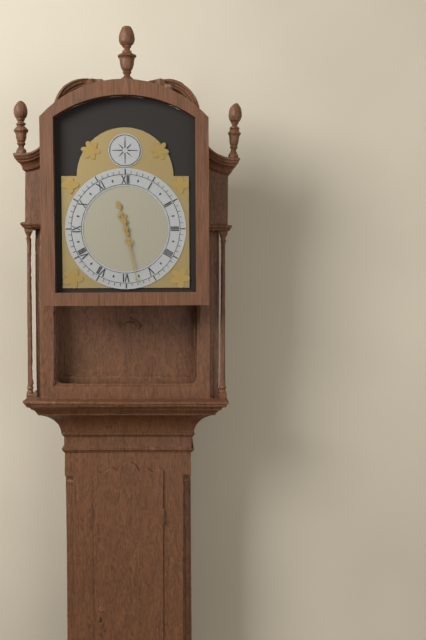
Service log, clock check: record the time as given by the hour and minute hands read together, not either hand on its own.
11:28
